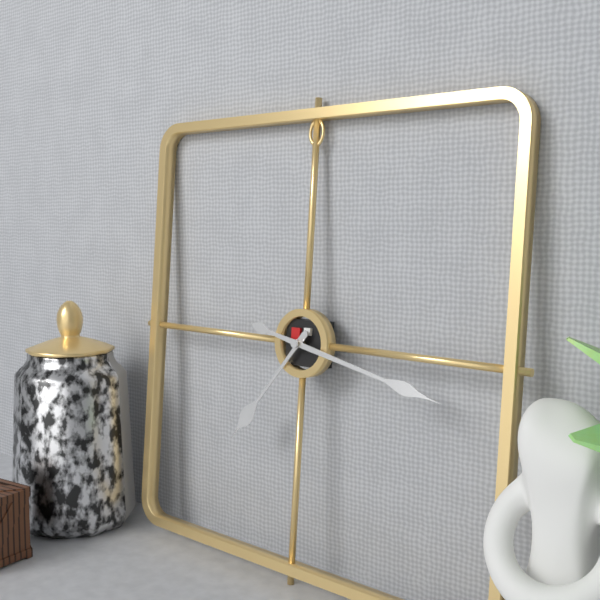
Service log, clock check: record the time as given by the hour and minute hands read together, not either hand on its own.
7:17
